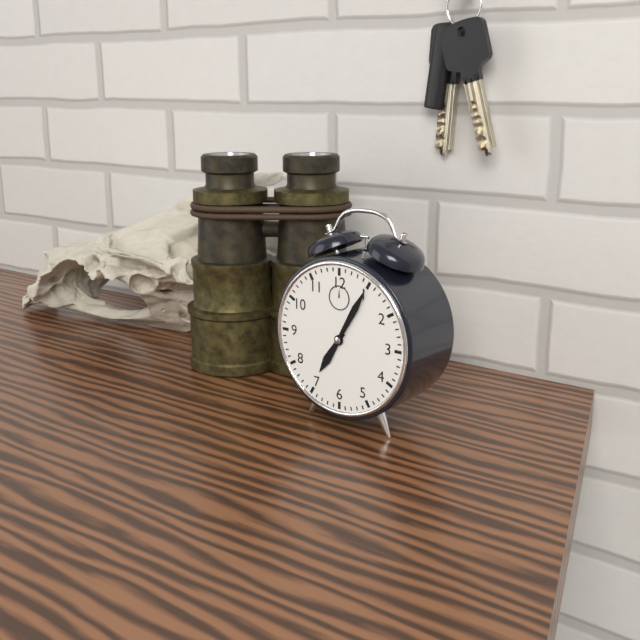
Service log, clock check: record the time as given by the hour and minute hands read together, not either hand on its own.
7:05
